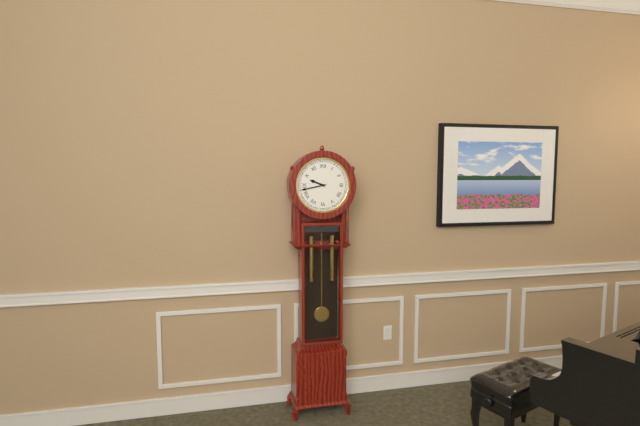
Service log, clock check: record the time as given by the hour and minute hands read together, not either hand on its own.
9:43
